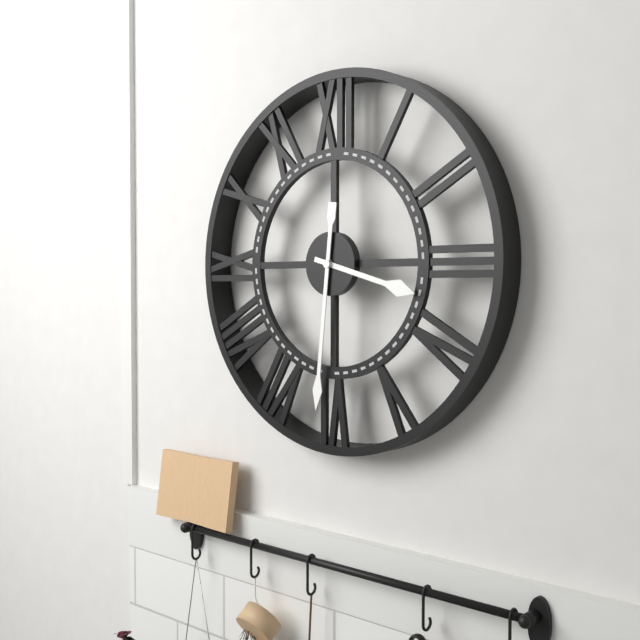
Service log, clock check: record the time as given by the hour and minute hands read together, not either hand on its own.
3:31
